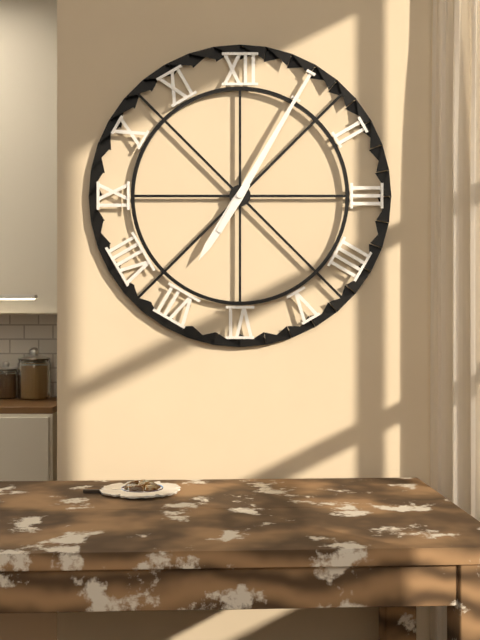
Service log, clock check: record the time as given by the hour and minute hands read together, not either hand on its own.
7:05
